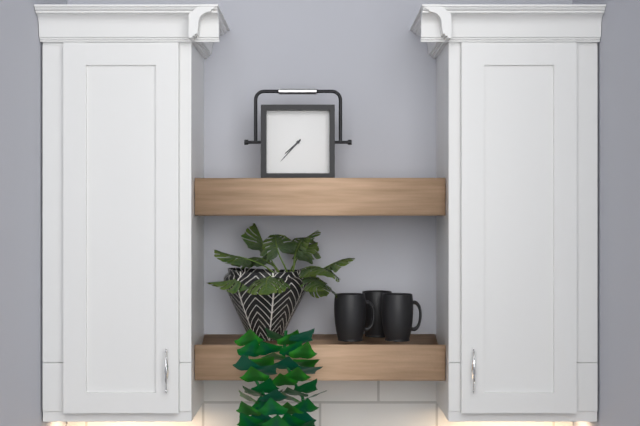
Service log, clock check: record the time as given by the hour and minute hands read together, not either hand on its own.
7:37
